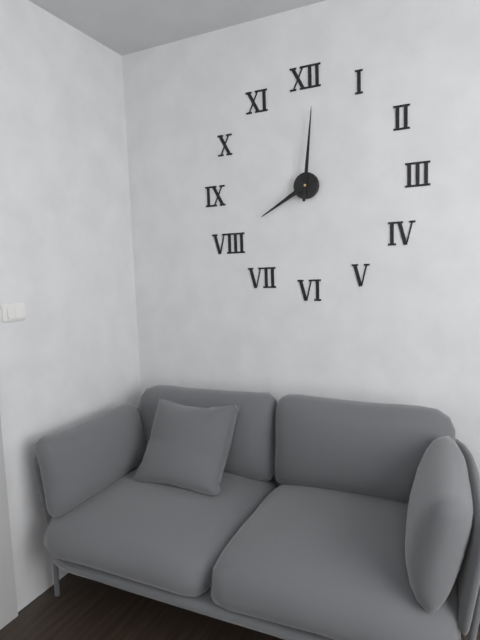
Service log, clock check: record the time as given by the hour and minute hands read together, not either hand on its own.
8:01
